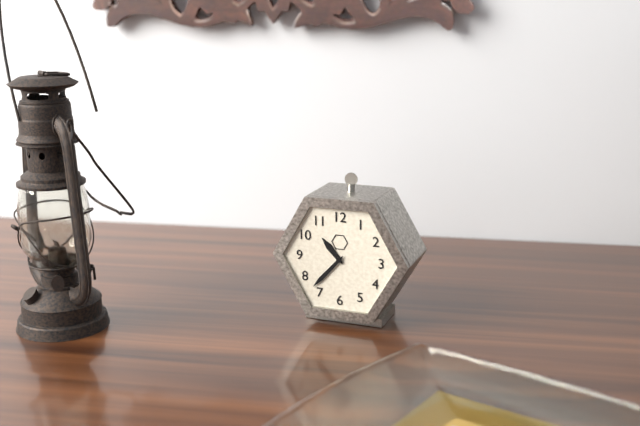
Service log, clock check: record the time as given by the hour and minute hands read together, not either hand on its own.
10:37
